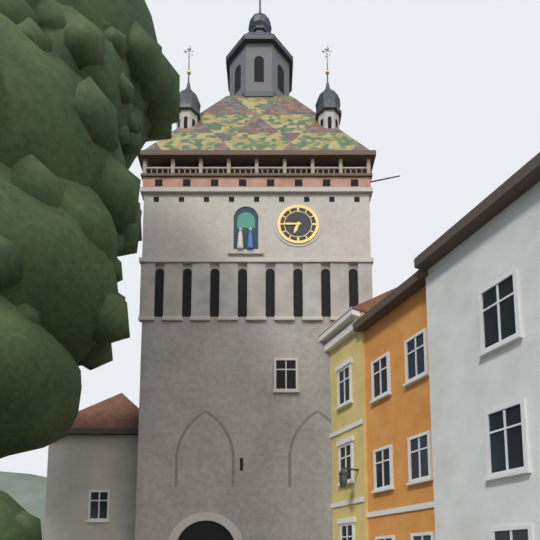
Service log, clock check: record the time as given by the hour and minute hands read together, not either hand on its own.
6:45
